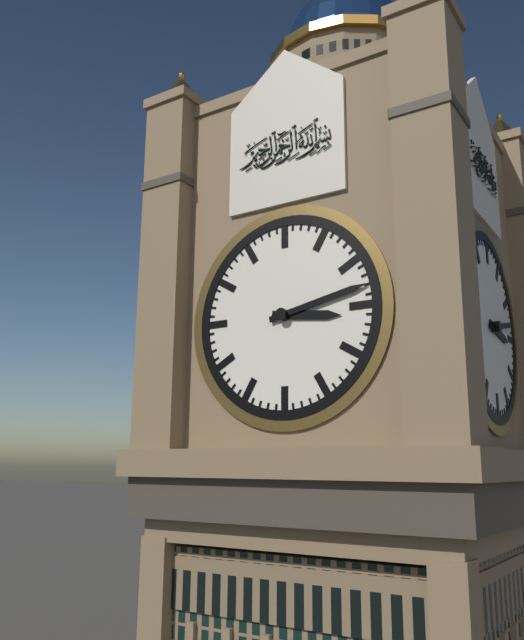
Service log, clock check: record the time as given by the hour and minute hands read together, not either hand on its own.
3:13
